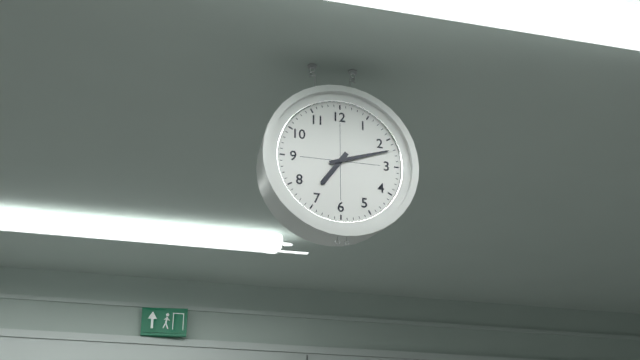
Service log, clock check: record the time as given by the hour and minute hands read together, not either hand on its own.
7:12
